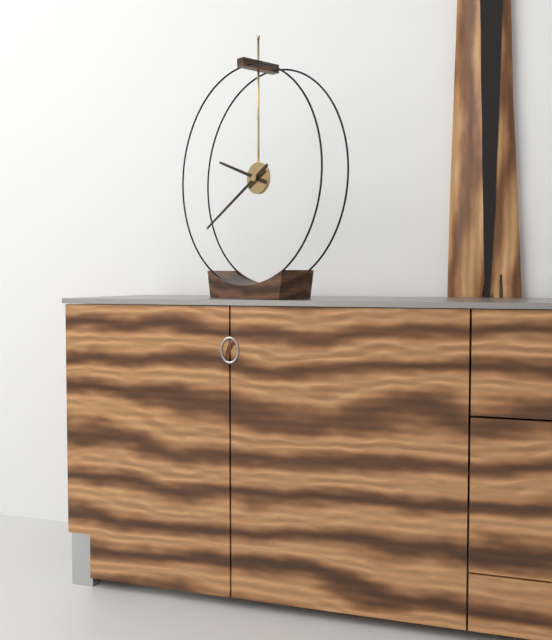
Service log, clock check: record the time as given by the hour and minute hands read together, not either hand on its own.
9:40
